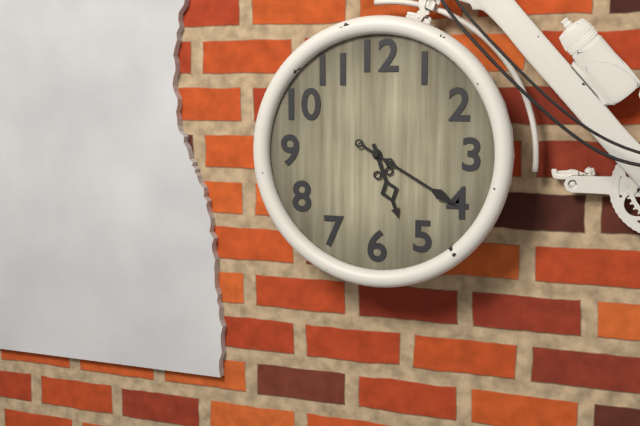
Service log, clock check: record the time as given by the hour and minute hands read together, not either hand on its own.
5:20
